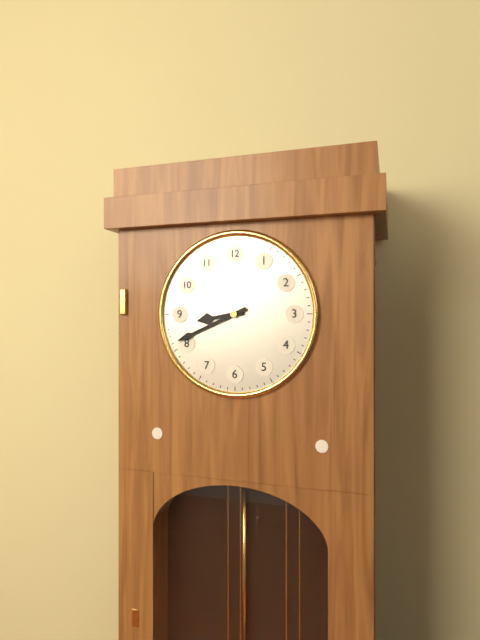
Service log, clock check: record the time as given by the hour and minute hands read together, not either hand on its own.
8:41
